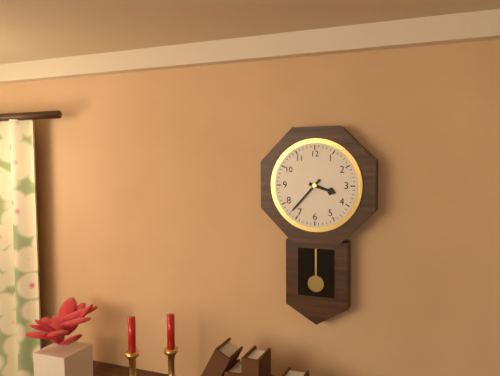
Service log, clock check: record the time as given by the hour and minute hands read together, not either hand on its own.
3:37
